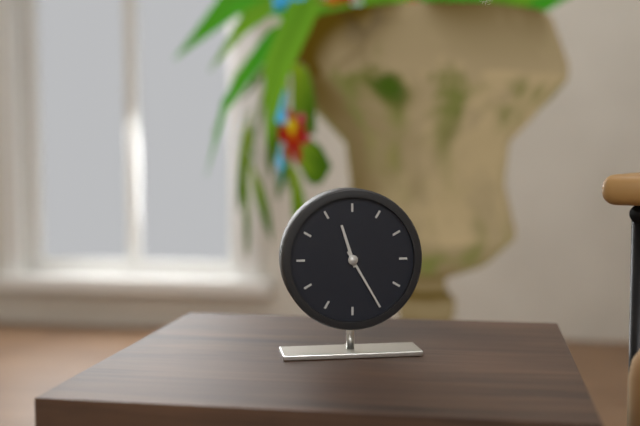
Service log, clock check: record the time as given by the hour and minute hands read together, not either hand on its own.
11:25
